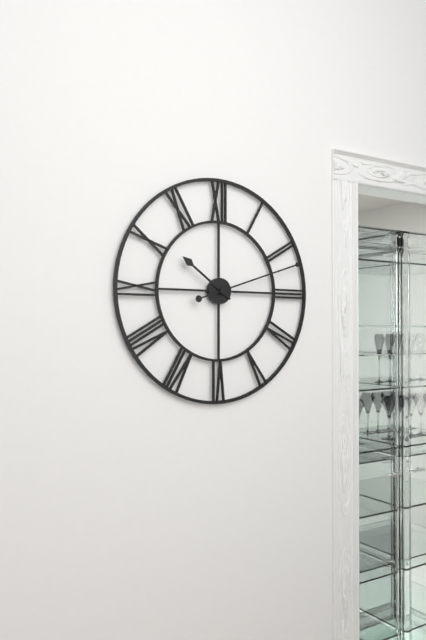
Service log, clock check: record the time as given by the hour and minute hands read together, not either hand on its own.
10:12
